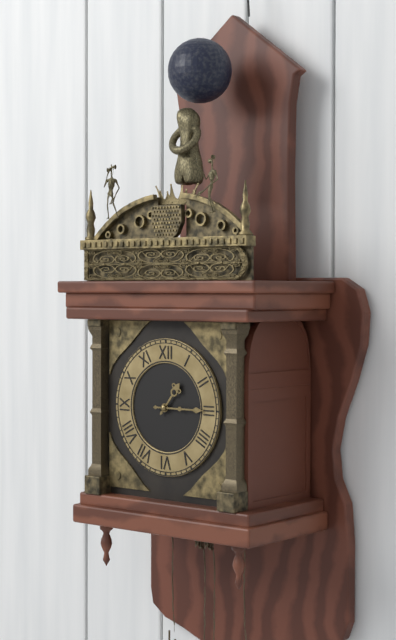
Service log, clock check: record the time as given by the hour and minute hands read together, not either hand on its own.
1:15
